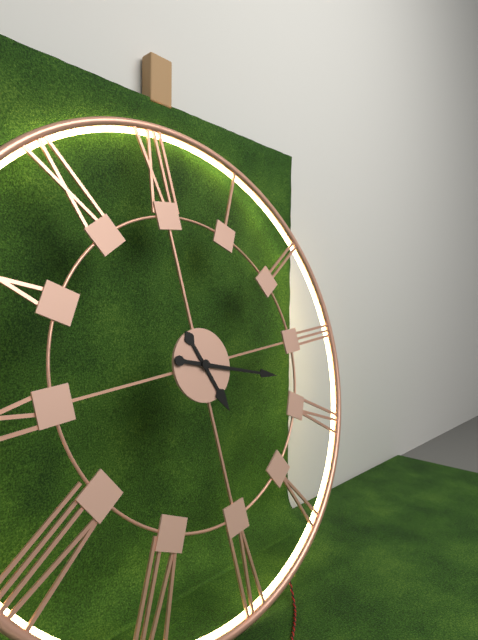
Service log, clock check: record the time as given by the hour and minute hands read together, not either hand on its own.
5:18
